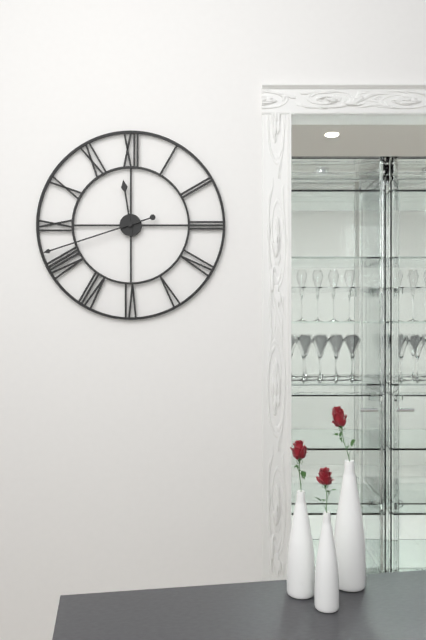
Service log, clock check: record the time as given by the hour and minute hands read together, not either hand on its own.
11:42
